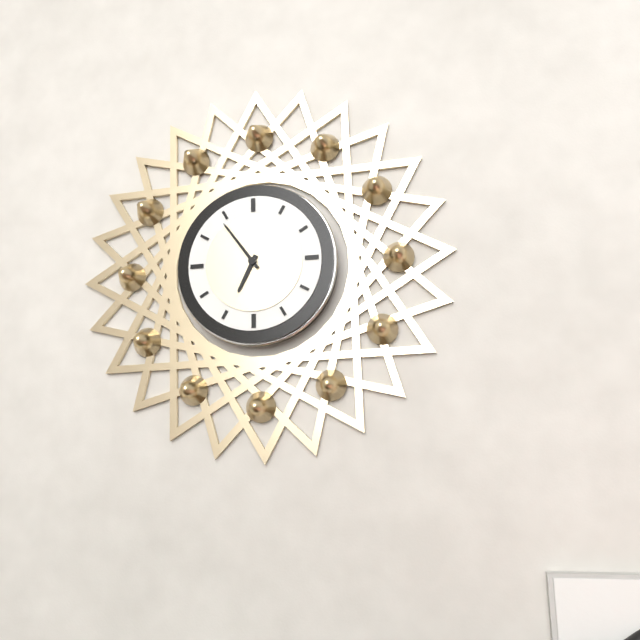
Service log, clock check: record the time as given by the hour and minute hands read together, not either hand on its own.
6:54
